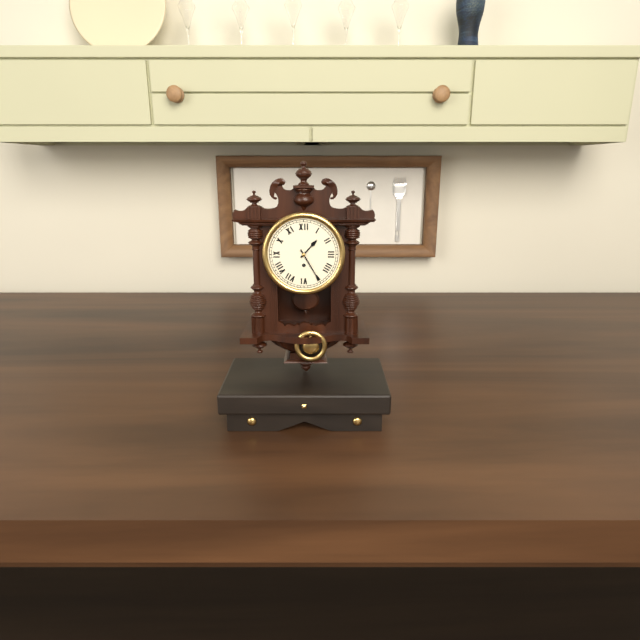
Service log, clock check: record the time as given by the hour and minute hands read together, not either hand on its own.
1:25
